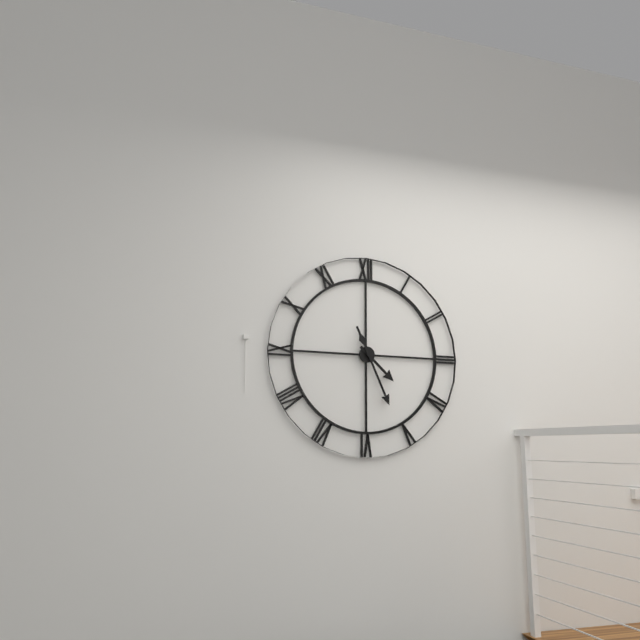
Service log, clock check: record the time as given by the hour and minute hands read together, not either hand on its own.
4:26
